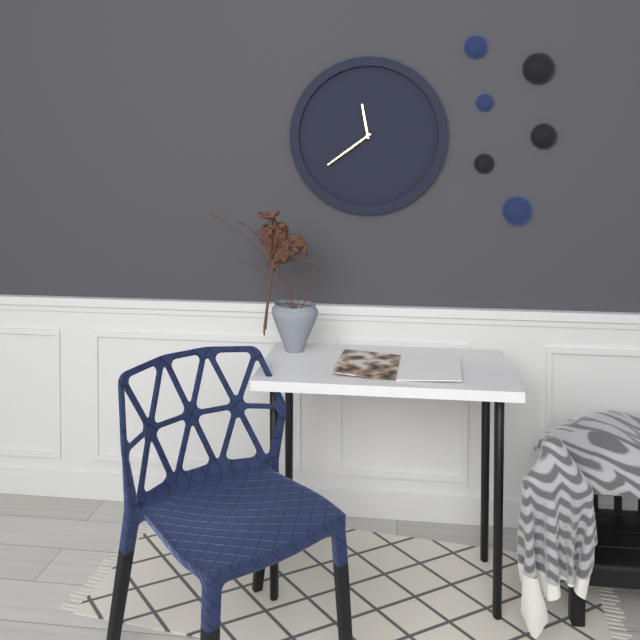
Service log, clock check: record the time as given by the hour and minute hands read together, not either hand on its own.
11:39
